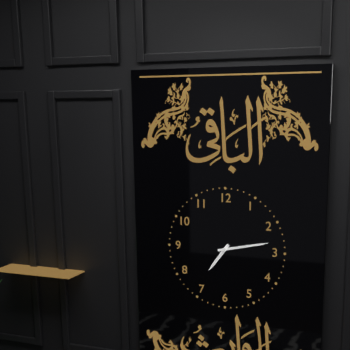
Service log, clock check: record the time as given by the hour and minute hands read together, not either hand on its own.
7:13
